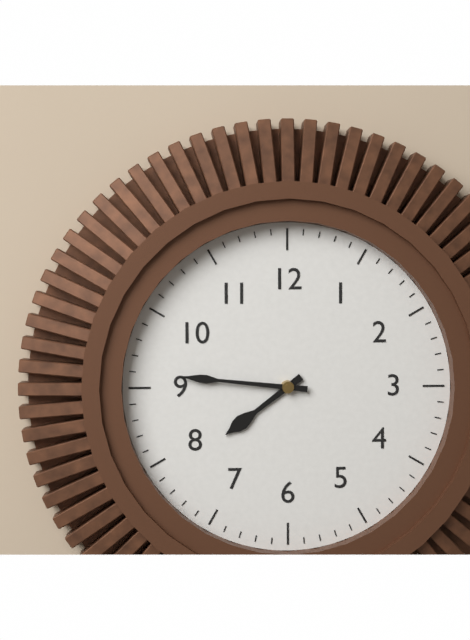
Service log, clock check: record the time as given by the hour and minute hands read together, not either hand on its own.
7:46
